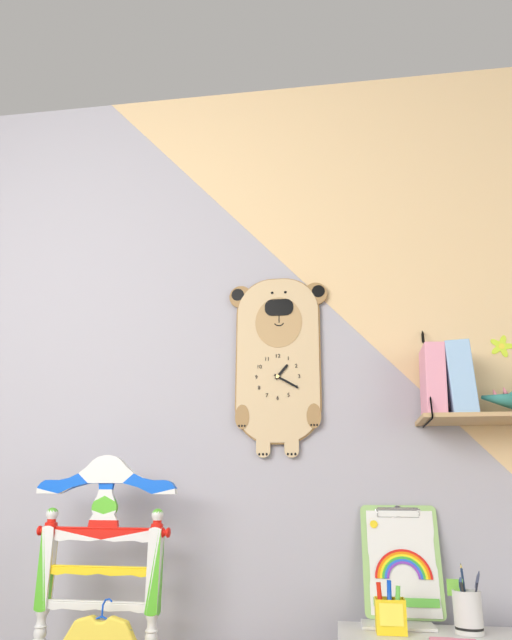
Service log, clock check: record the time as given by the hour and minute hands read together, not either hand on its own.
1:20
